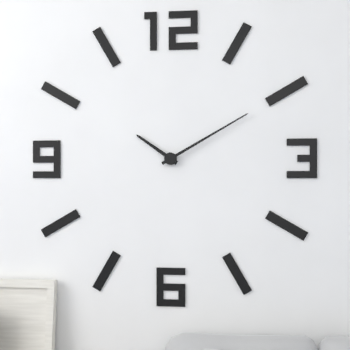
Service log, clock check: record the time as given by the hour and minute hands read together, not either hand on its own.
10:10
